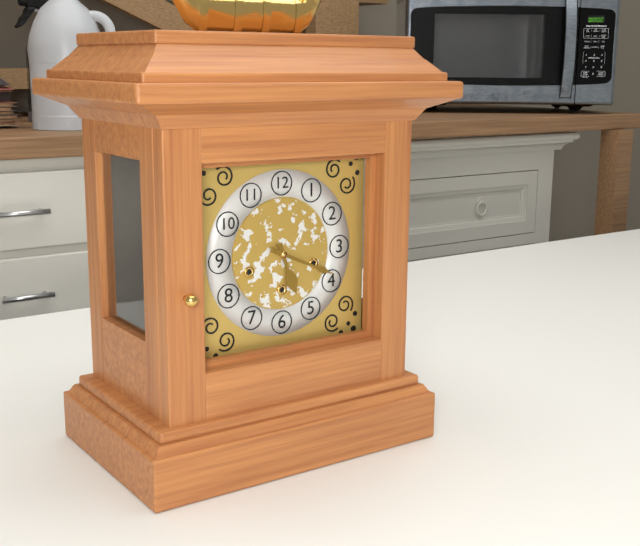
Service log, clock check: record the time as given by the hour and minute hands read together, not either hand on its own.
5:19
